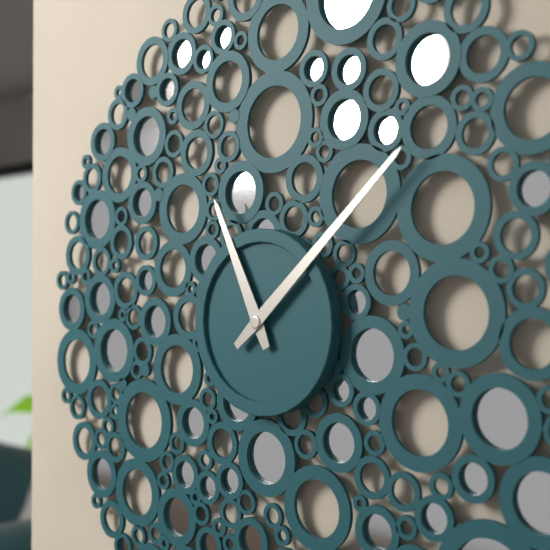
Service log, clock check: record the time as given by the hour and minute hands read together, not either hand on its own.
11:08
